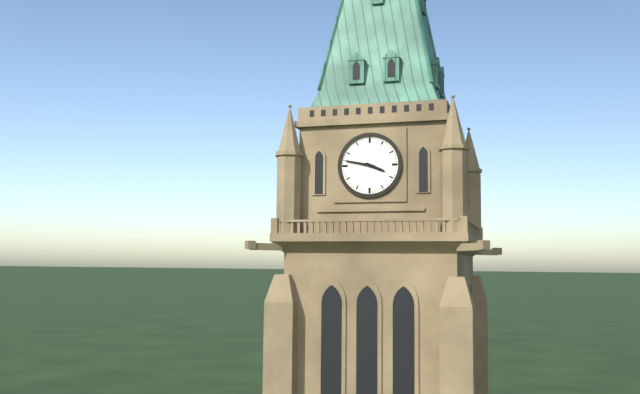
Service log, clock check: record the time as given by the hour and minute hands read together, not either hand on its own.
3:47
